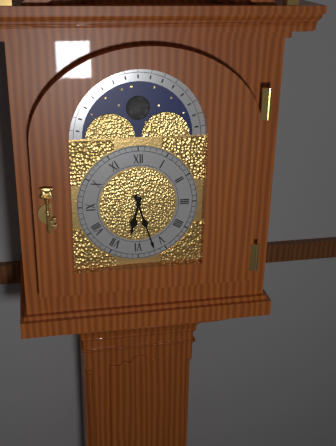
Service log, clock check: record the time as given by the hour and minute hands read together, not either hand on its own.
6:27
